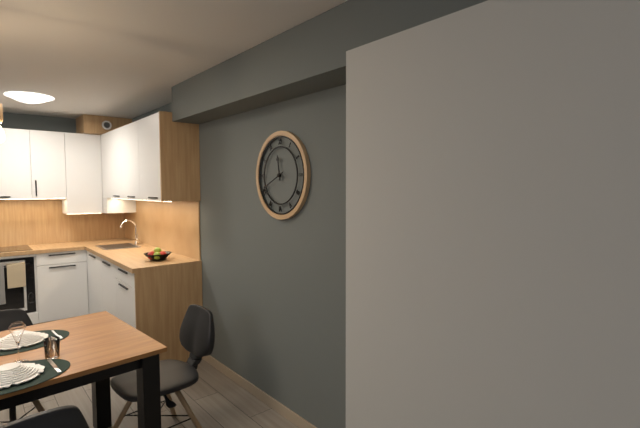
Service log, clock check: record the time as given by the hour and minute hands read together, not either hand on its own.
11:41
